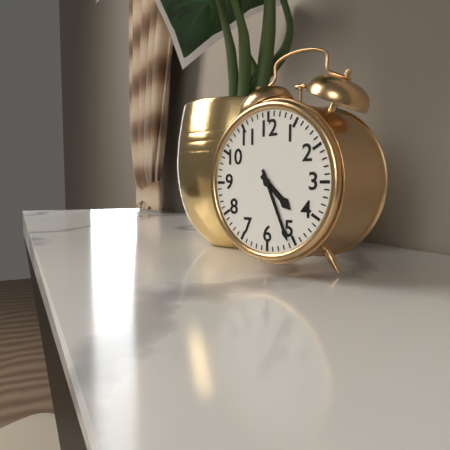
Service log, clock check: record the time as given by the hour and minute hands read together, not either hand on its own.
4:26
